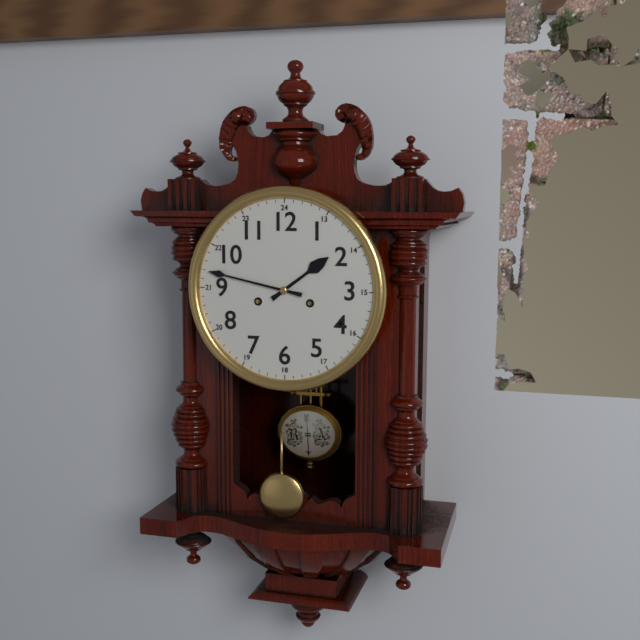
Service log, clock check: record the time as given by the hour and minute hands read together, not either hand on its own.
1:47
